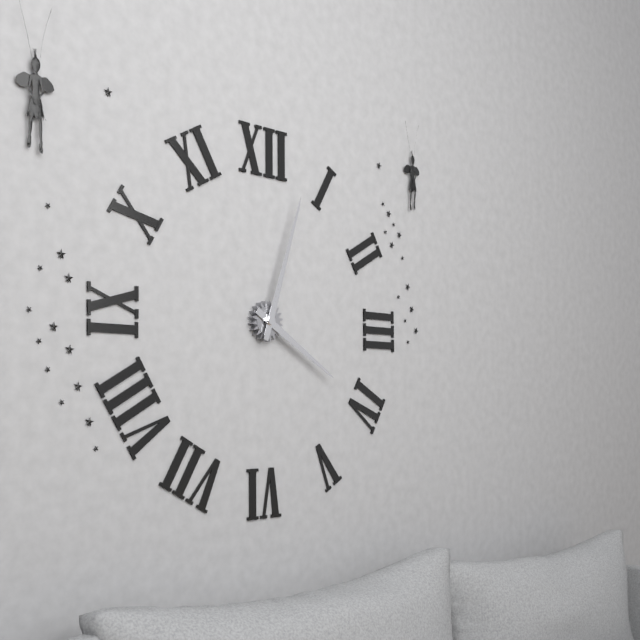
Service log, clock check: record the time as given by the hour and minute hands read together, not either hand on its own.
4:03
